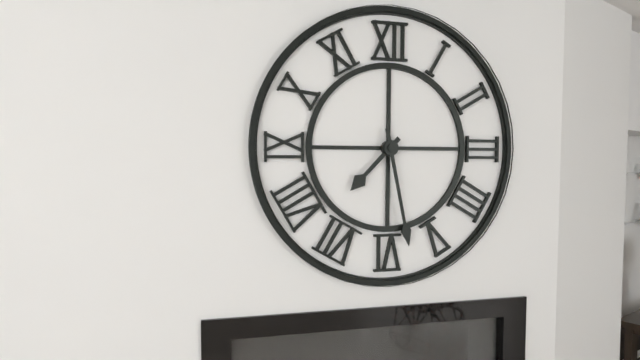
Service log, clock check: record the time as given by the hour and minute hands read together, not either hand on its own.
7:28
